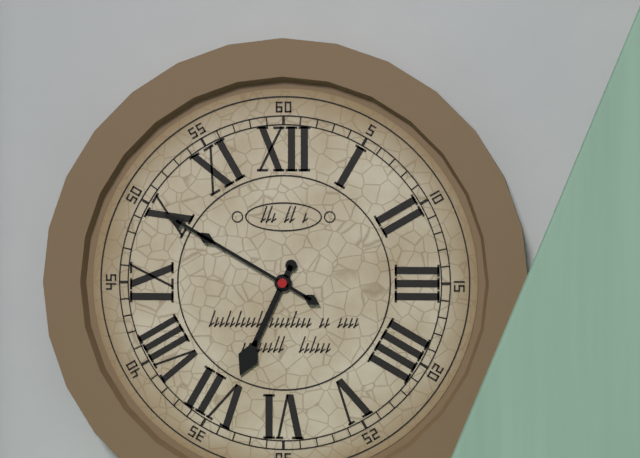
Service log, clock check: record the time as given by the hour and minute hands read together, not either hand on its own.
6:50
